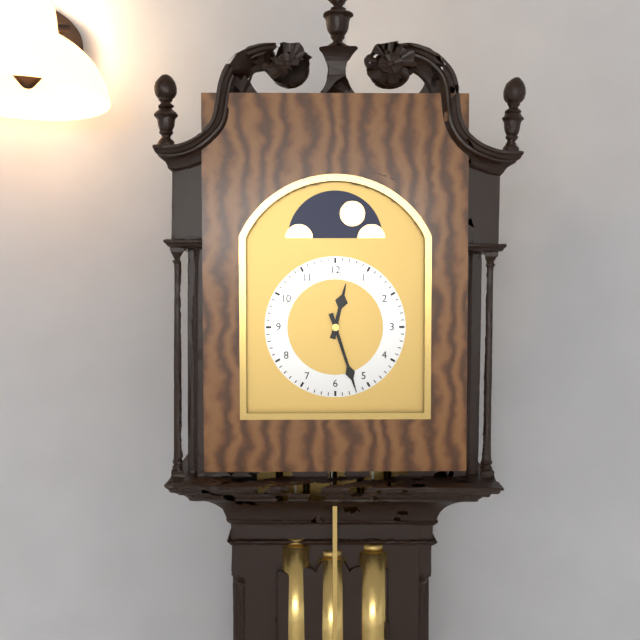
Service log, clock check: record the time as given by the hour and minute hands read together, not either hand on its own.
12:27
